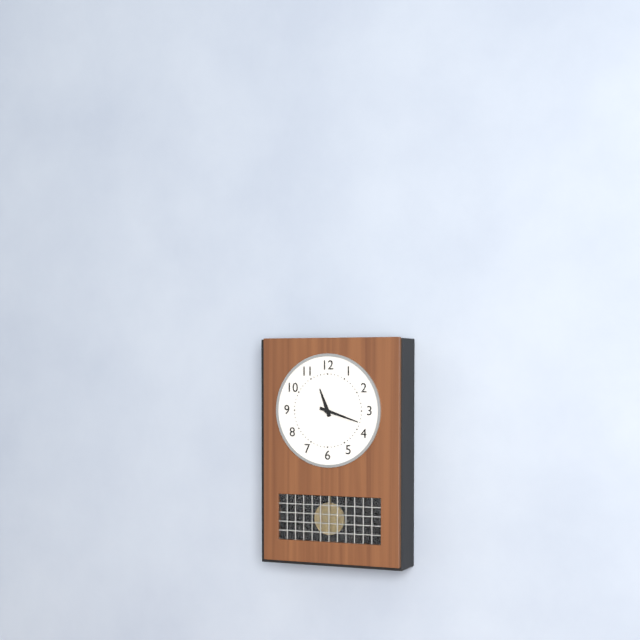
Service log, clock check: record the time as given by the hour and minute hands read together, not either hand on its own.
11:18
